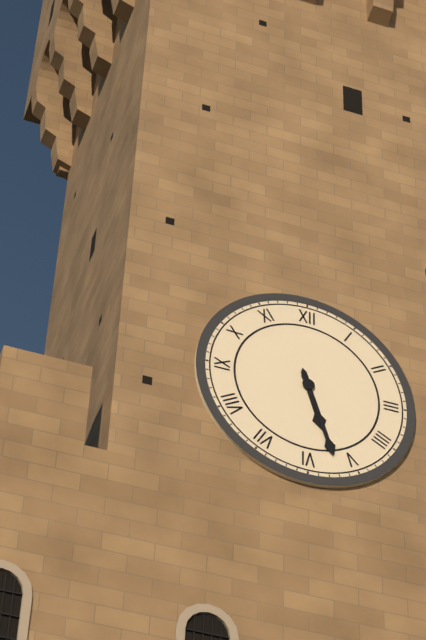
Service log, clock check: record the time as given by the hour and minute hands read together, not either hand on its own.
5:27
